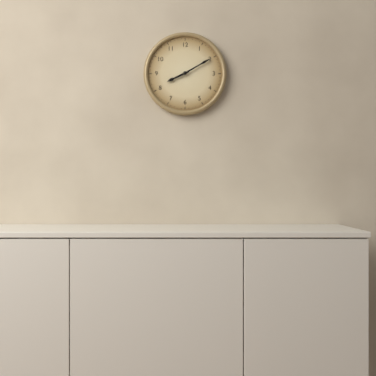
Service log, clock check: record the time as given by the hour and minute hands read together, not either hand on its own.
8:10
